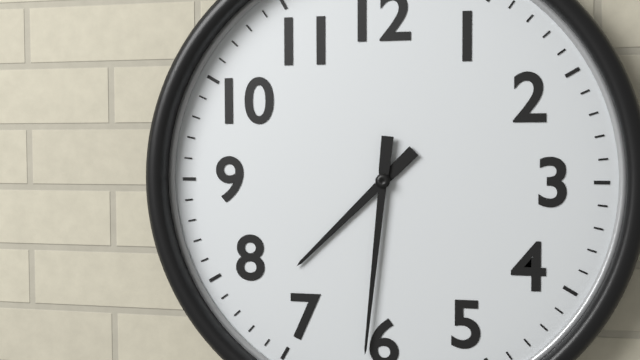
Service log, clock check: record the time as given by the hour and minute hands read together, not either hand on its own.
7:31
